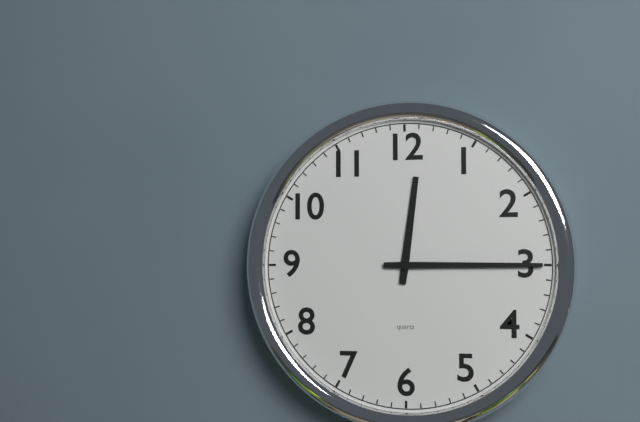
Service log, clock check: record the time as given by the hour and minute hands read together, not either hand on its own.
12:15
